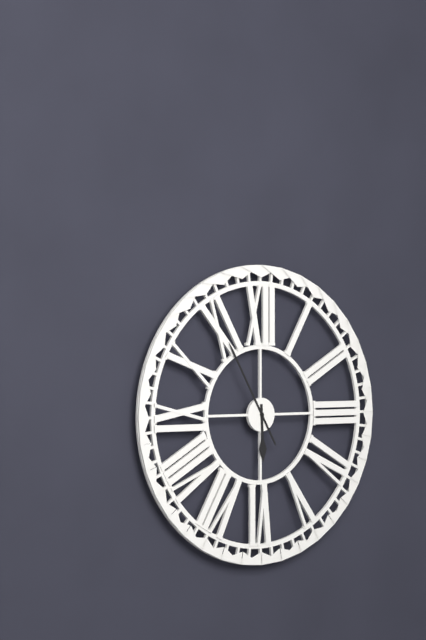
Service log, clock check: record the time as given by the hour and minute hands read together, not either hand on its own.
5:55
